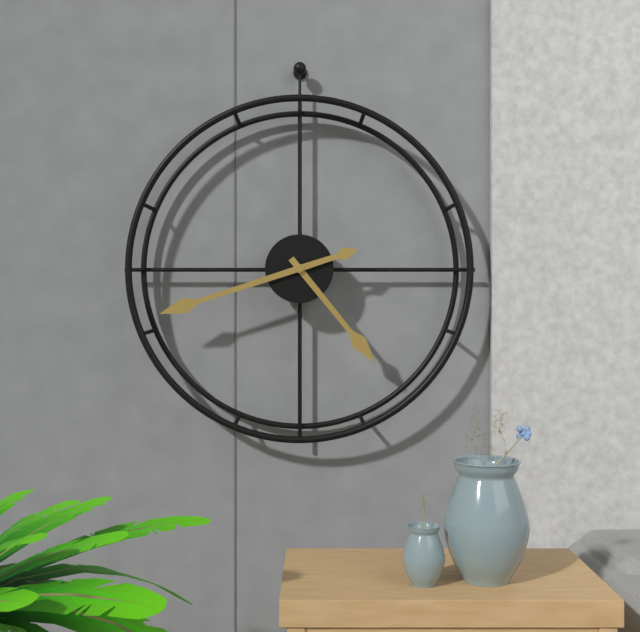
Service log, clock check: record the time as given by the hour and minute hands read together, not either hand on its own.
4:42
